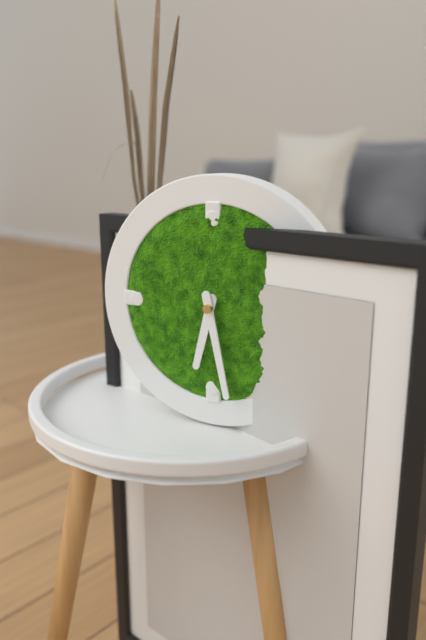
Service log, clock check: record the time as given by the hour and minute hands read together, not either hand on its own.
6:28
